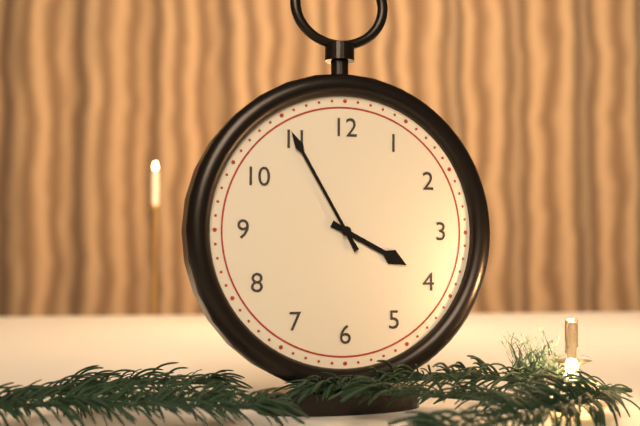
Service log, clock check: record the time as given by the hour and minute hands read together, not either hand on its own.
3:55
